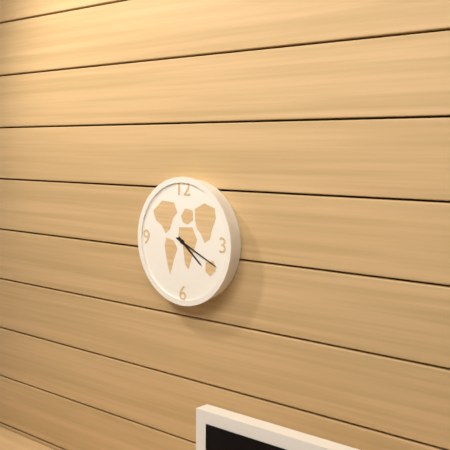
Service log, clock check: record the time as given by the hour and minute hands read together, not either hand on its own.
4:19
